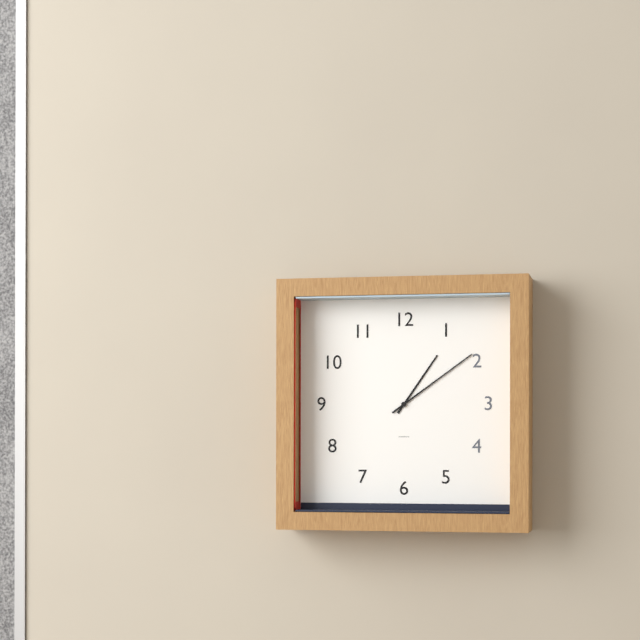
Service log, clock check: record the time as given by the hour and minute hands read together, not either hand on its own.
1:09
